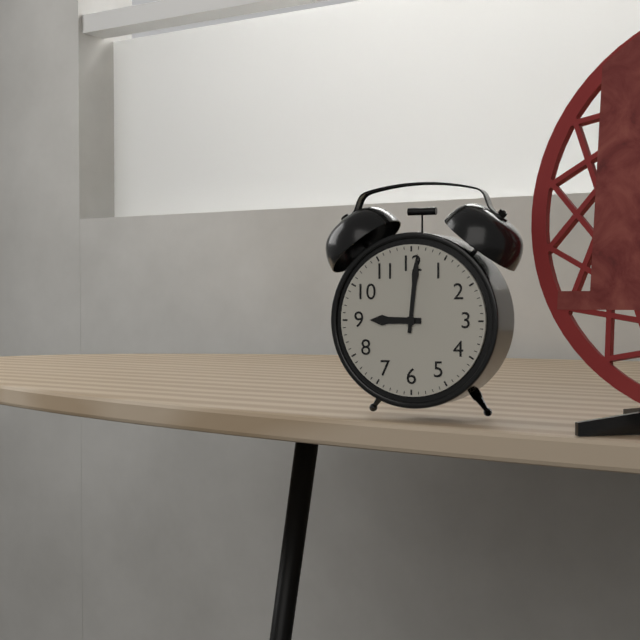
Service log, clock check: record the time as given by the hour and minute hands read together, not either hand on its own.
9:01
